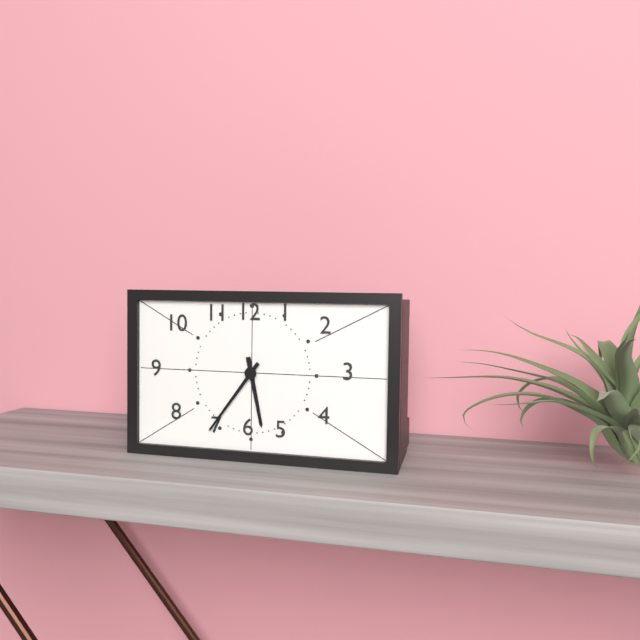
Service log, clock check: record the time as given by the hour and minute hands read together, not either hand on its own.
5:36
